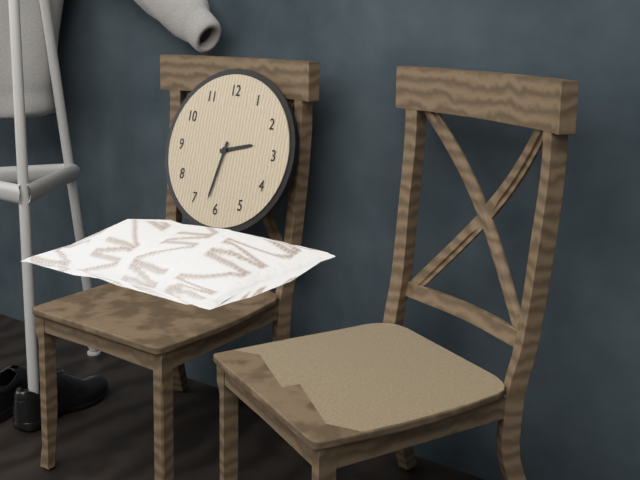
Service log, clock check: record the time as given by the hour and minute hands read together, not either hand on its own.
2:32
